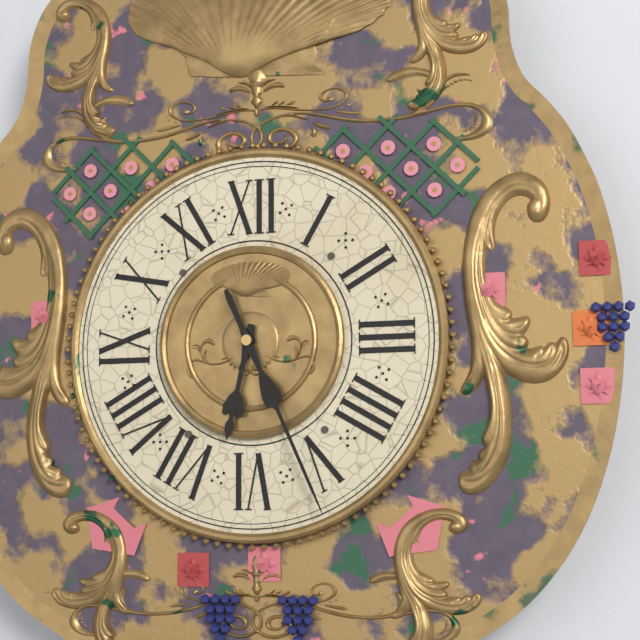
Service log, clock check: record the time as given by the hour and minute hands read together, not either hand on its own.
6:26
